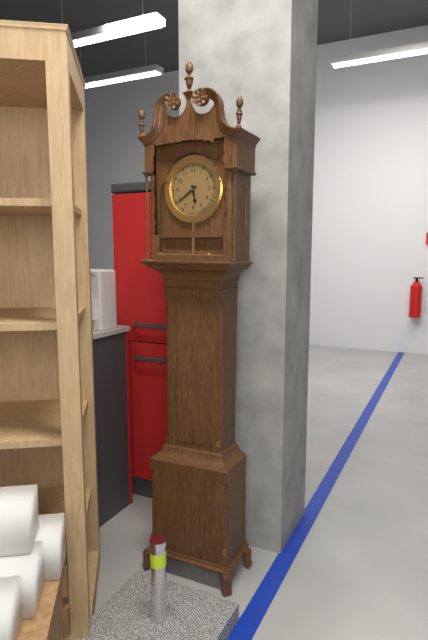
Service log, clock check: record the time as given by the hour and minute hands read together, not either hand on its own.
5:39
